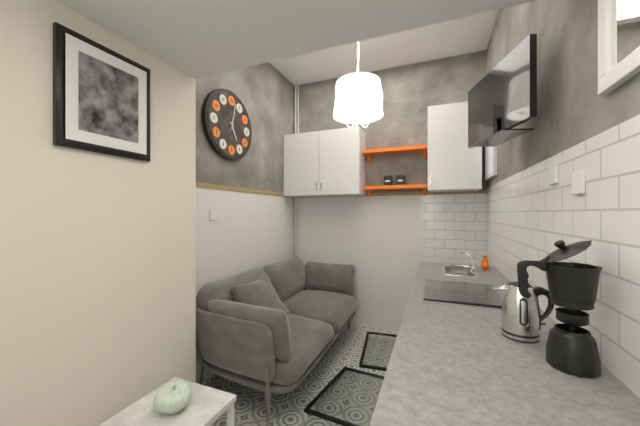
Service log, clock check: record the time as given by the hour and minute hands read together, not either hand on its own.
5:02
